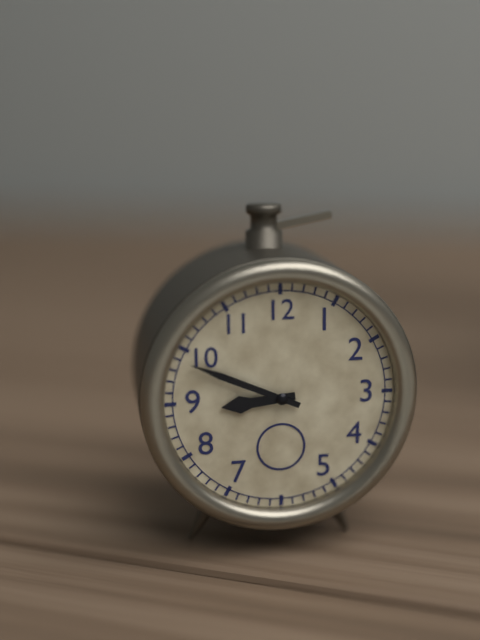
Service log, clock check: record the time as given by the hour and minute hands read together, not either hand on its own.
8:49
